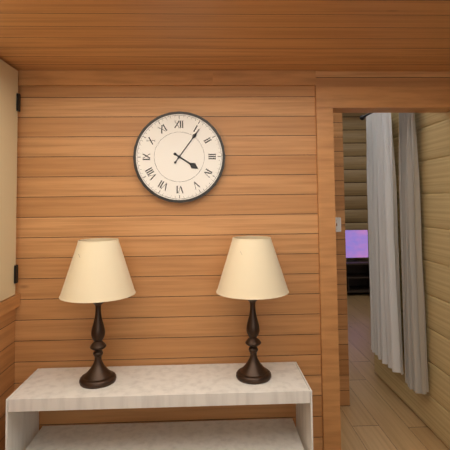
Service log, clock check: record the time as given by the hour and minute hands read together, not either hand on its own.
4:06
